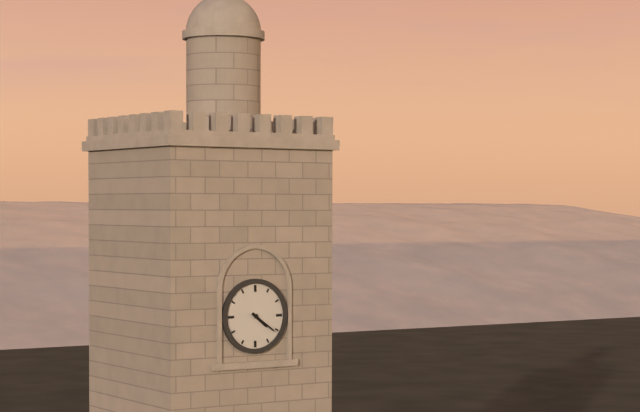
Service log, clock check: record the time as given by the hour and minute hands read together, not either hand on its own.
4:21
